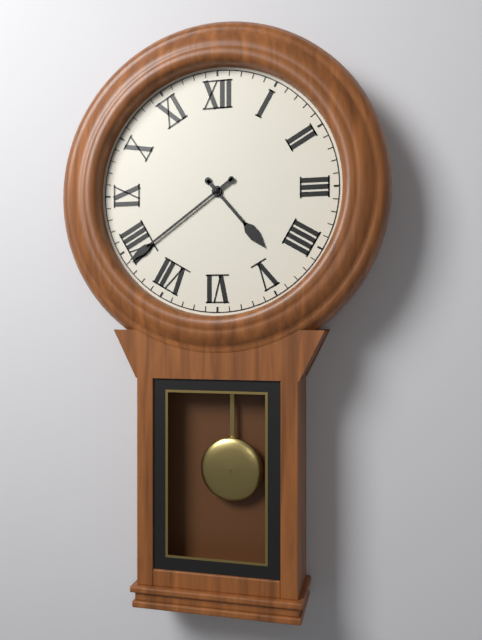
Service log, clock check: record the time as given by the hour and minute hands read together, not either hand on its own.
4:39
